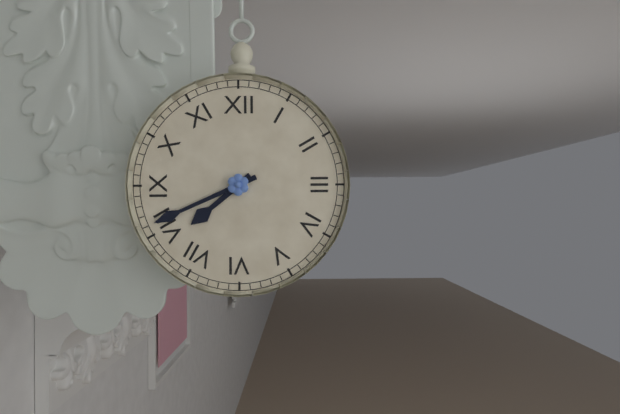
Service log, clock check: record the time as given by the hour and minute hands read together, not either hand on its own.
7:41
